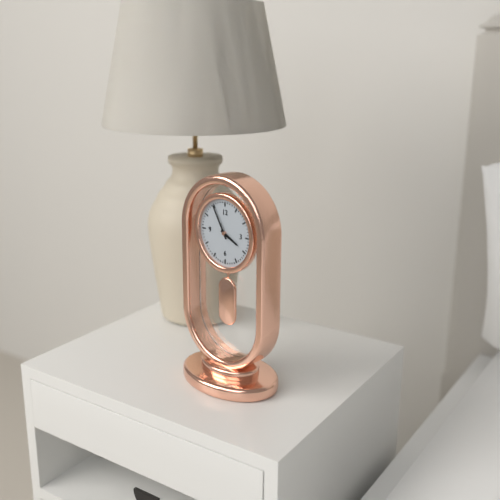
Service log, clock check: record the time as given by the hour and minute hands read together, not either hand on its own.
3:55
